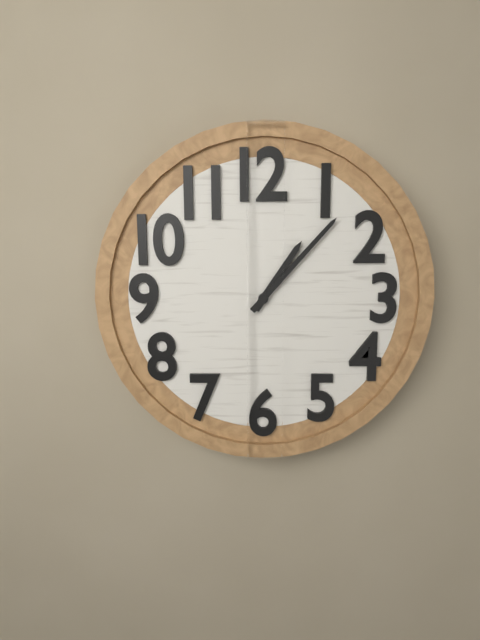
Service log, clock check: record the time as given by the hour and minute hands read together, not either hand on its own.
1:07
